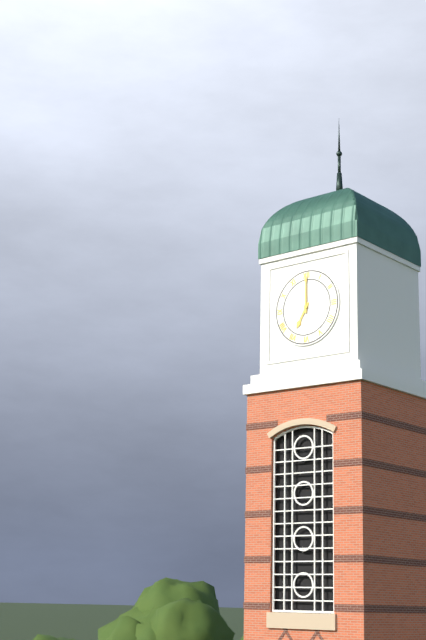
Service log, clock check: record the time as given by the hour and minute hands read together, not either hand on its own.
7:00
